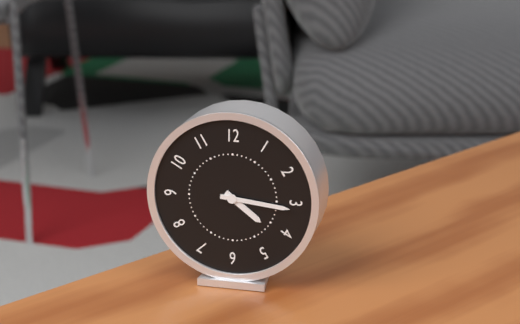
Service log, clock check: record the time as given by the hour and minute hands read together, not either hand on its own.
4:16
